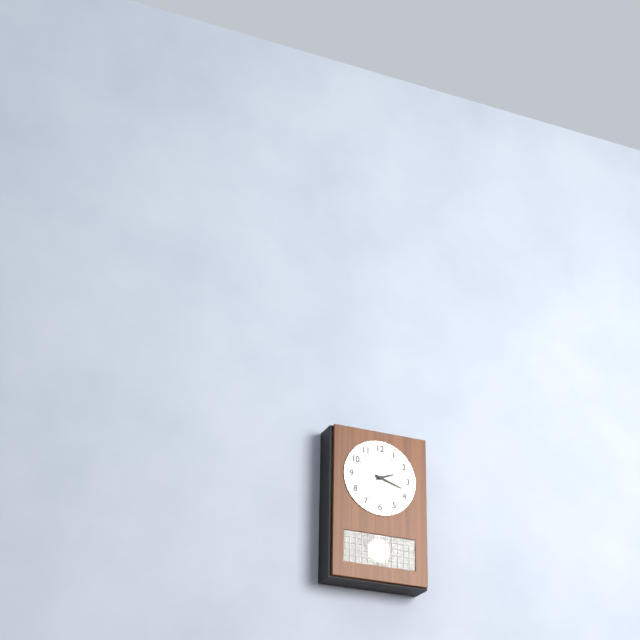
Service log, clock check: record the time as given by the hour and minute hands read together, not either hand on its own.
2:18
